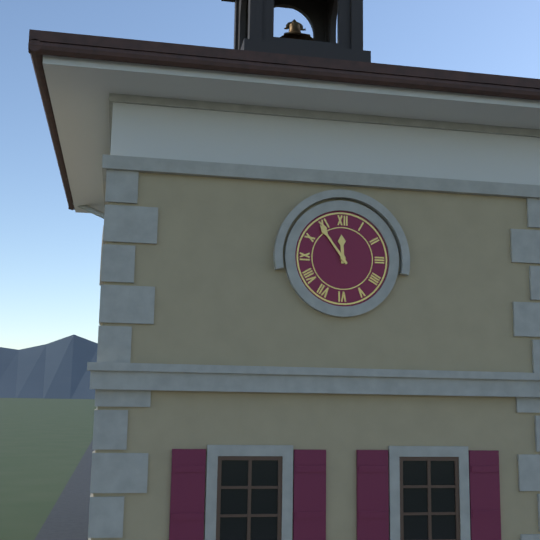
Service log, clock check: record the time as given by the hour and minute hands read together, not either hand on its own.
11:54
